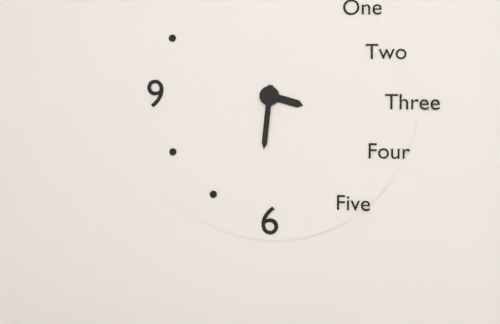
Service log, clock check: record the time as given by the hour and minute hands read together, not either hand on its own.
3:31
